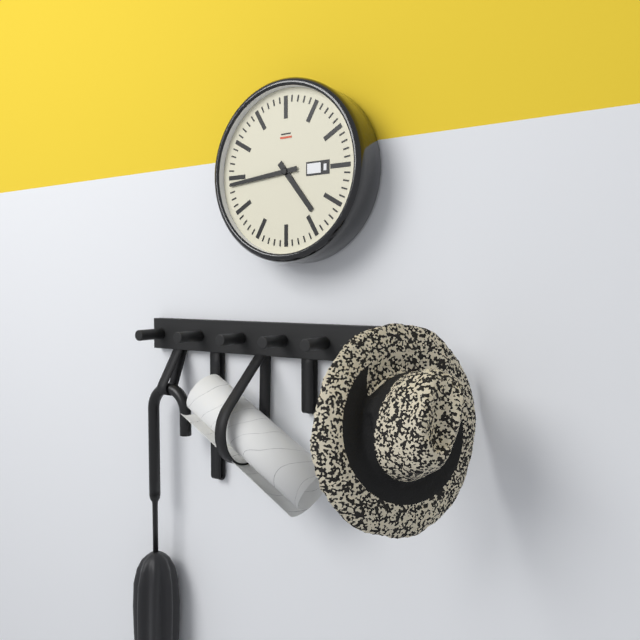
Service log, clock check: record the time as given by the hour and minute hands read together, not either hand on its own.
4:44
